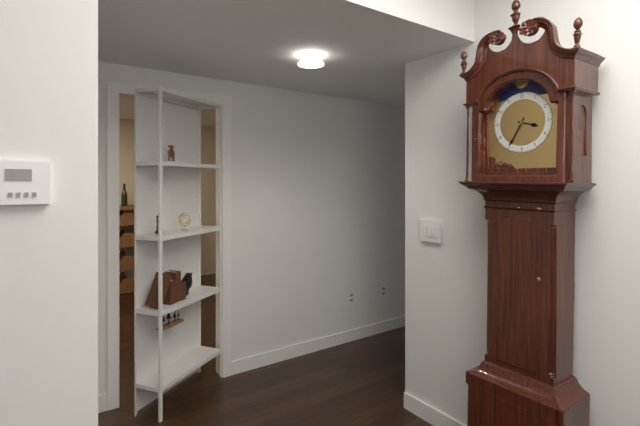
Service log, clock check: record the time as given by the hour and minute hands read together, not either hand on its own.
3:35
